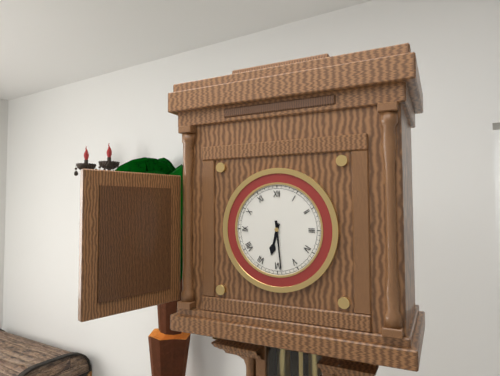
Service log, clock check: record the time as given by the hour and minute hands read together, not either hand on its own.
6:29
